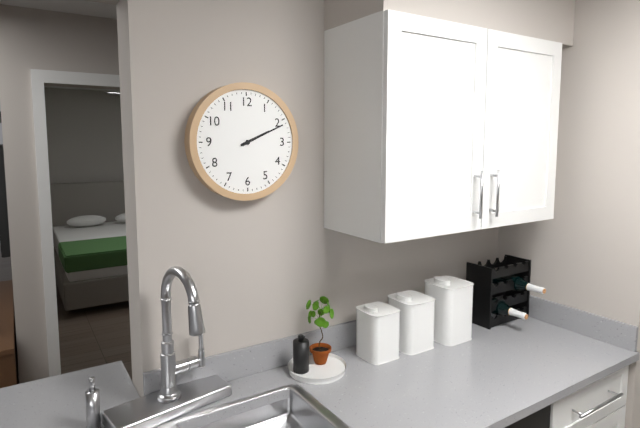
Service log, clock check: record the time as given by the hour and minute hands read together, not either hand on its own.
2:11
